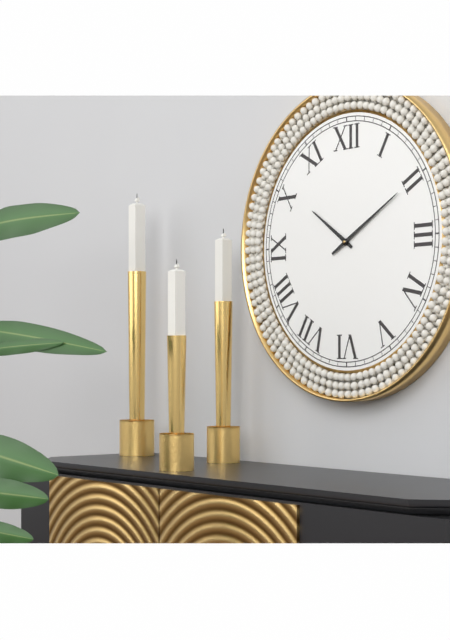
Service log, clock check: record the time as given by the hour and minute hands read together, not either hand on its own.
10:10
